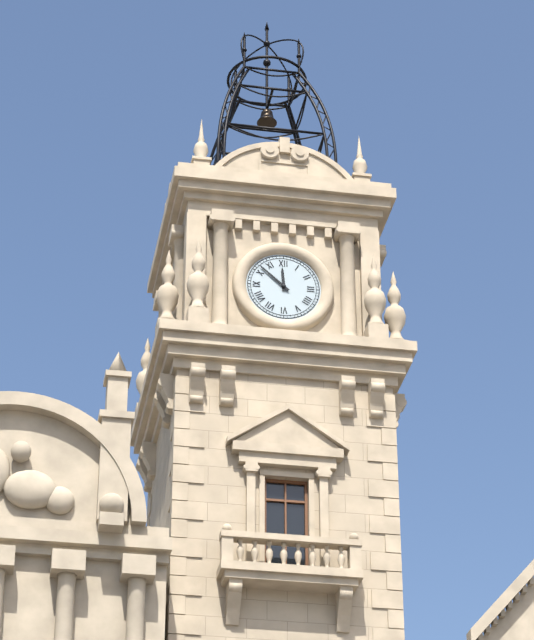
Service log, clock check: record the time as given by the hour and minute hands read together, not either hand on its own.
11:52
